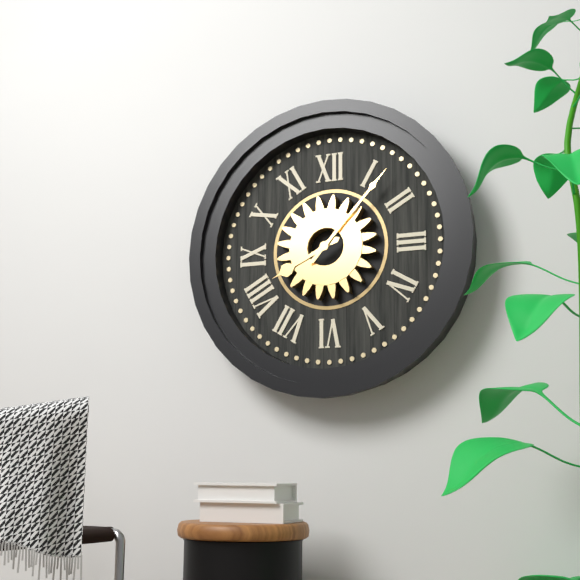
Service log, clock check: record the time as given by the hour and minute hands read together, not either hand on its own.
8:07
